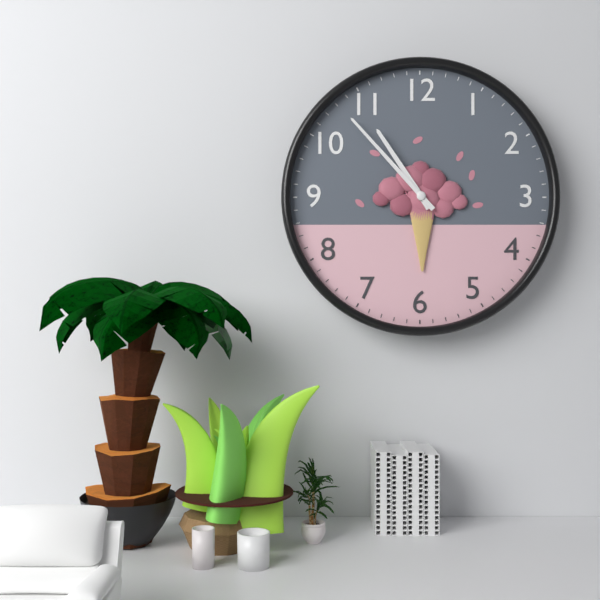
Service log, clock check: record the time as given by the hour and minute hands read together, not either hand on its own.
10:53
